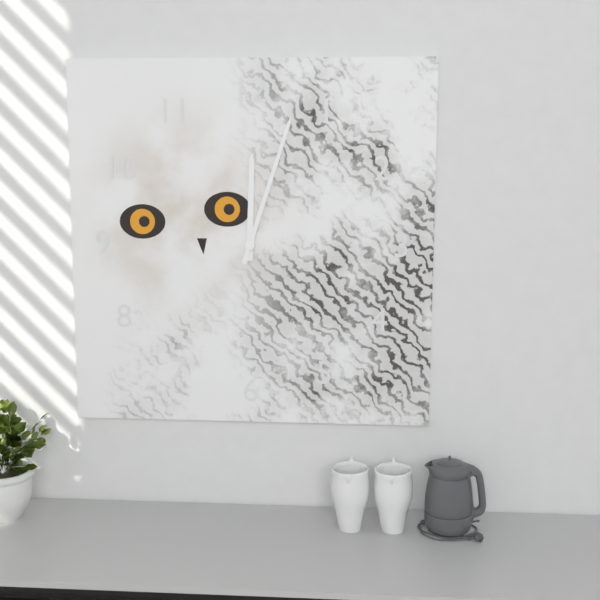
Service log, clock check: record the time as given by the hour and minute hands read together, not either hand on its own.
12:03
